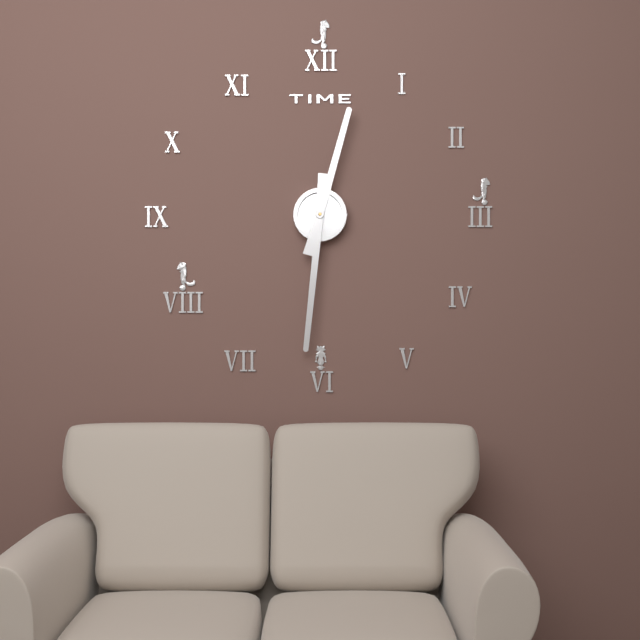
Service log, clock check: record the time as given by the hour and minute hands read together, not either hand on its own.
12:31
